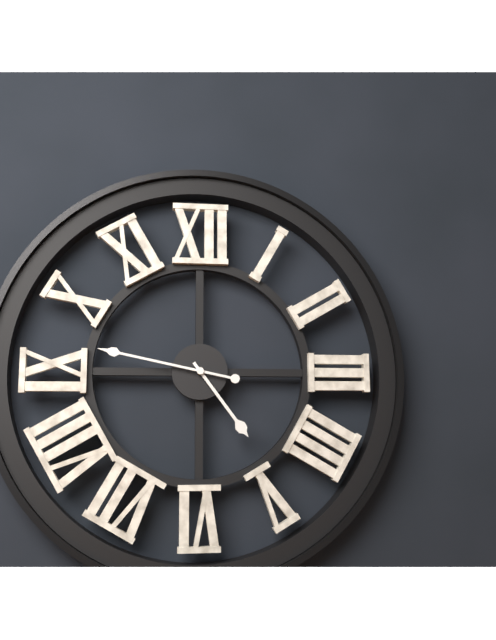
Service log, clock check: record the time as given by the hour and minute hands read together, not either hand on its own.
4:47
